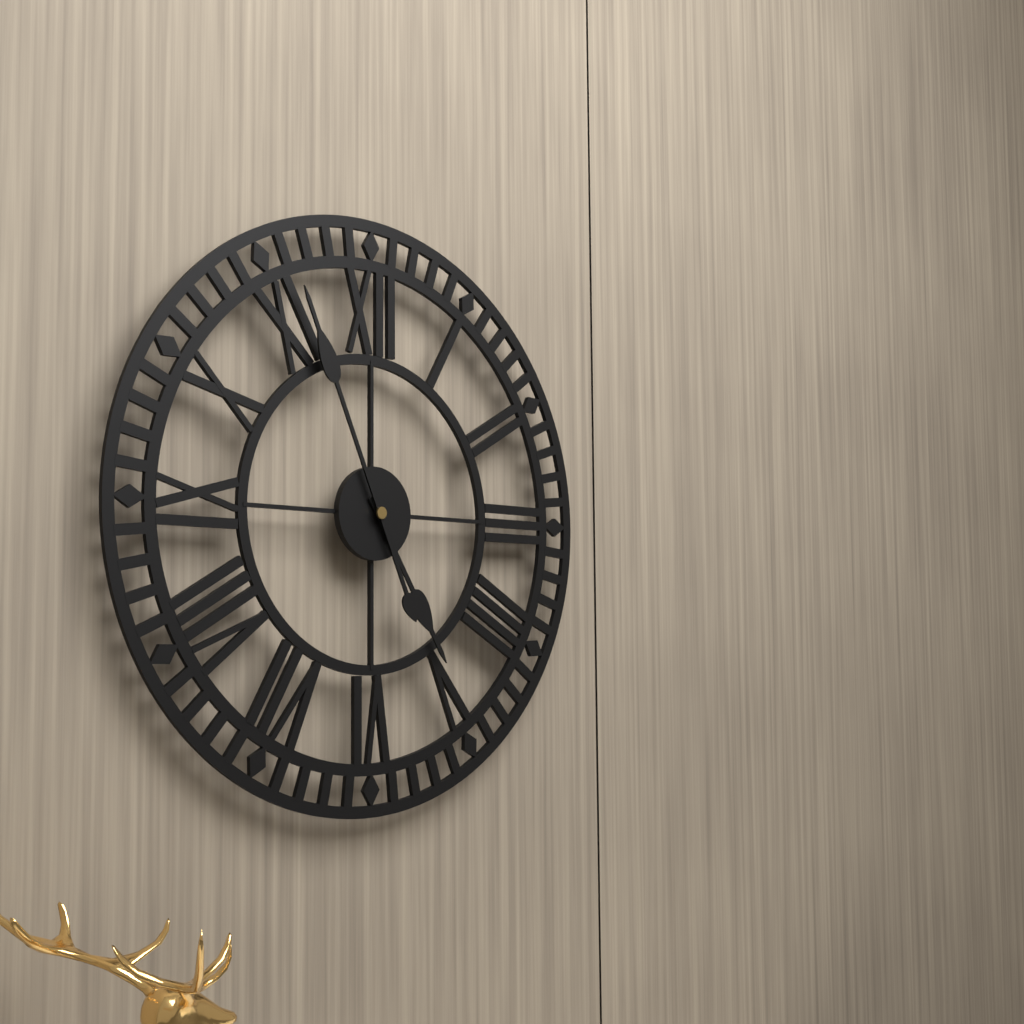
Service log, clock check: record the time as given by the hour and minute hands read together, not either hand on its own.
4:56
